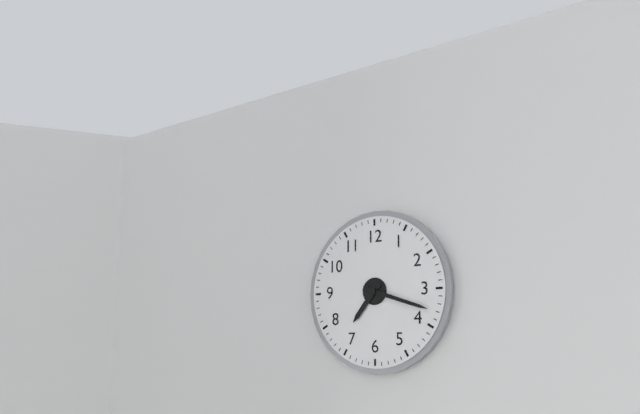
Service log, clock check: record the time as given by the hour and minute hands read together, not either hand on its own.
7:18
